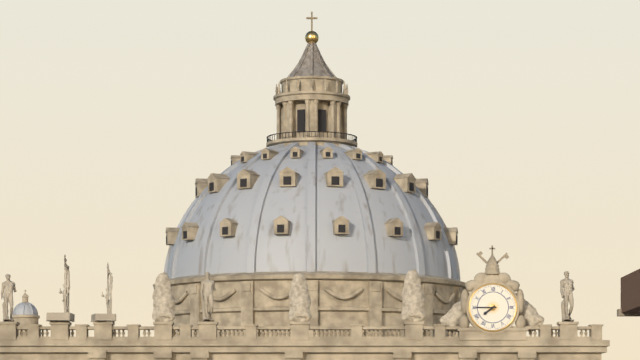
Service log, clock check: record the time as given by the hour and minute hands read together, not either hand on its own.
7:45
